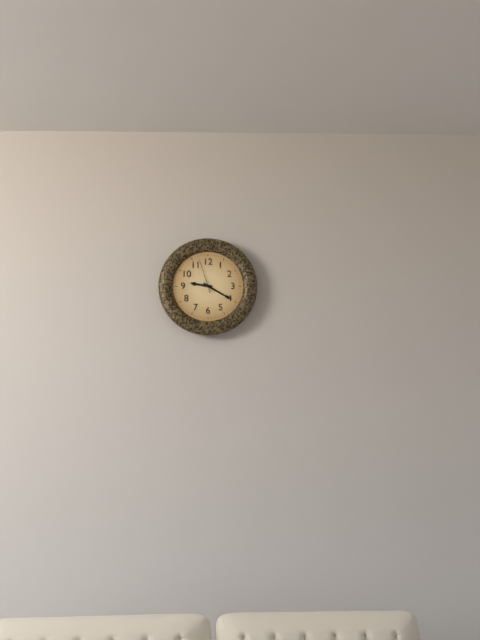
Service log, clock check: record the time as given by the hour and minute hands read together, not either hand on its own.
9:20
